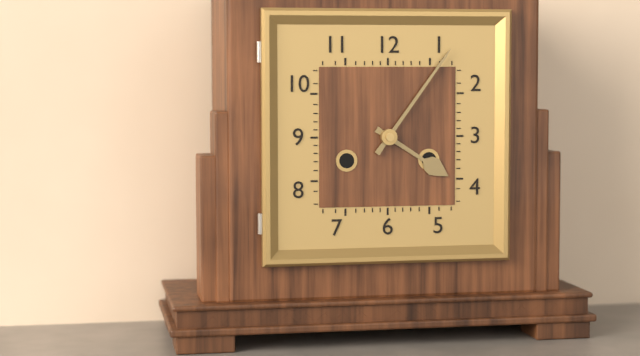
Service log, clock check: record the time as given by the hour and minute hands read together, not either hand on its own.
4:06
